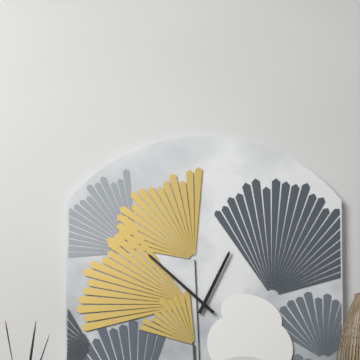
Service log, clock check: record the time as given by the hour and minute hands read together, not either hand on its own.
12:52
